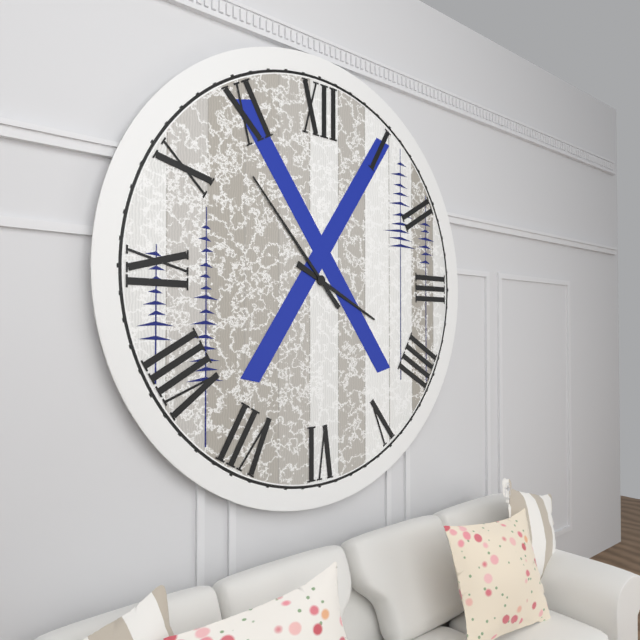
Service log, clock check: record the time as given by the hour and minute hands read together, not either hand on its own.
3:53
